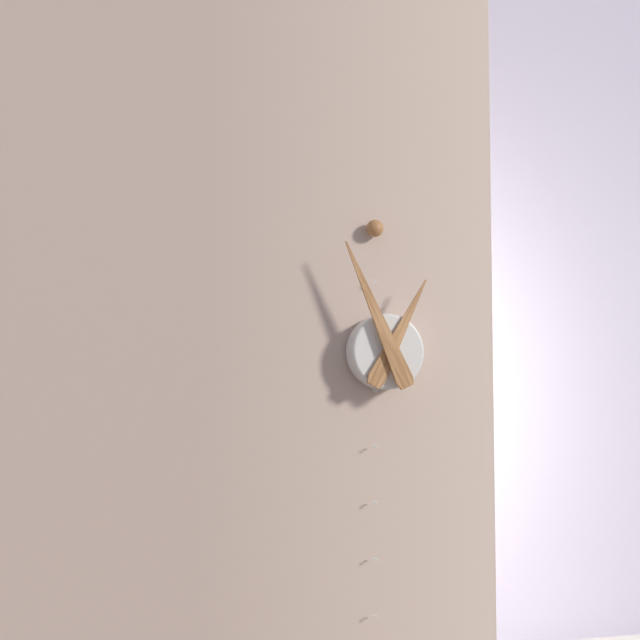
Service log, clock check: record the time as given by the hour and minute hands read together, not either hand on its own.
12:56
